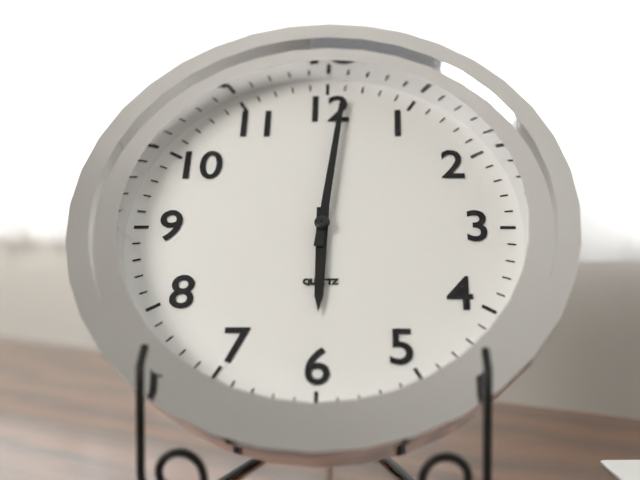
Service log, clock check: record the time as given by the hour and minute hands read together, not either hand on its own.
6:01
